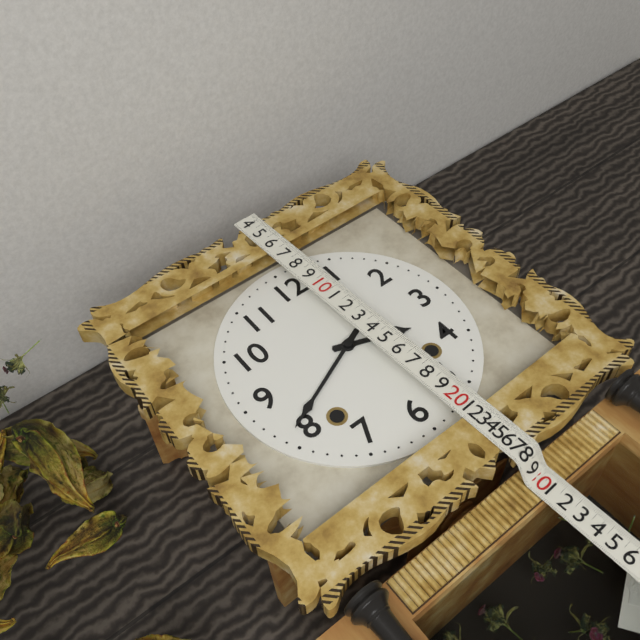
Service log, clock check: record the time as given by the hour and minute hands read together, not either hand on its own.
3:41
